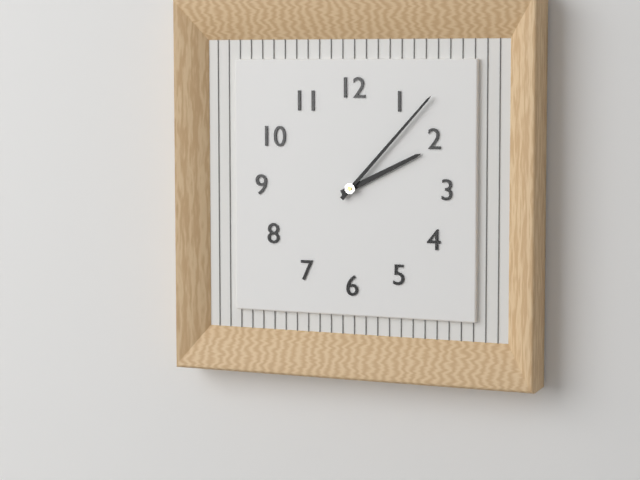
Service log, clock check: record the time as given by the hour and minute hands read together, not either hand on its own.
2:07
